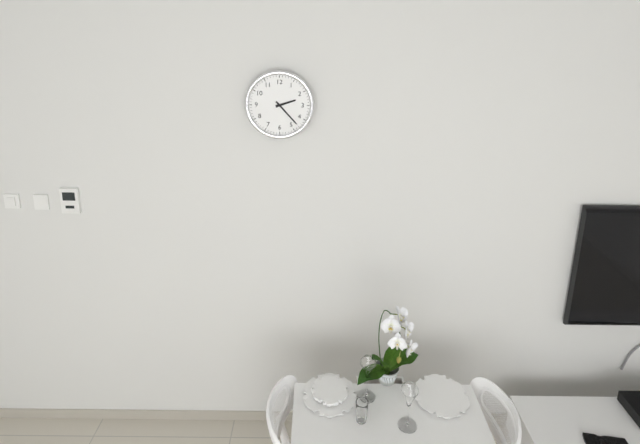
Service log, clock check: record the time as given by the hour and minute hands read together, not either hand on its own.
2:23
